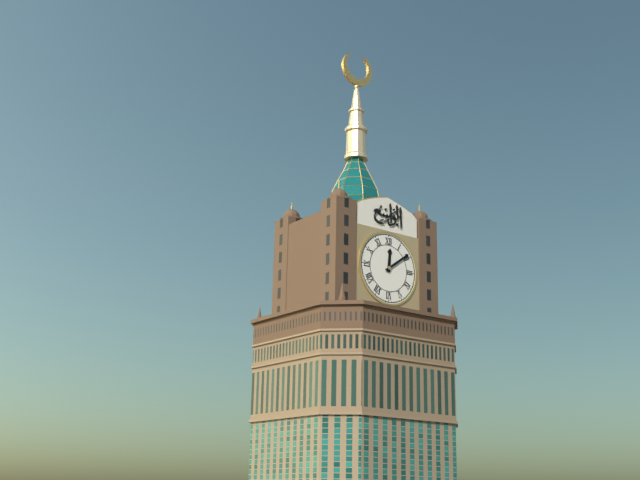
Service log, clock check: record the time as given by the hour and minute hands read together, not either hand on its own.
12:09
